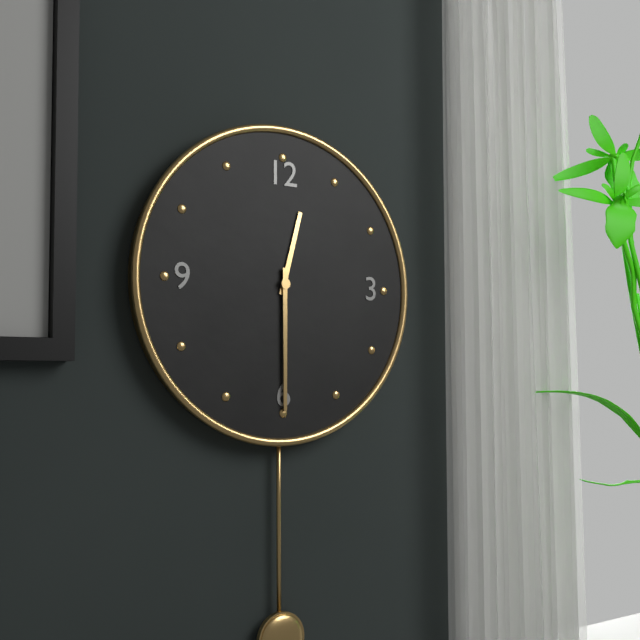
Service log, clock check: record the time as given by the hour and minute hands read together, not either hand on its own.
12:30
